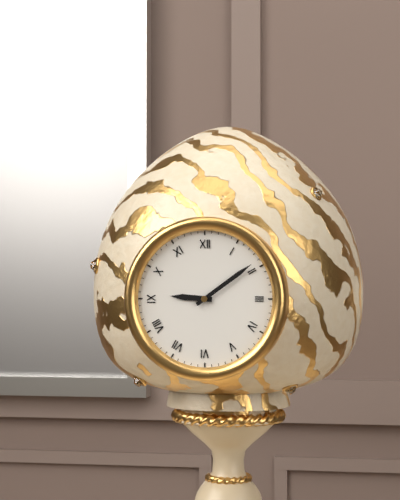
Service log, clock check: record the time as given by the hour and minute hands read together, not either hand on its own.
9:09
